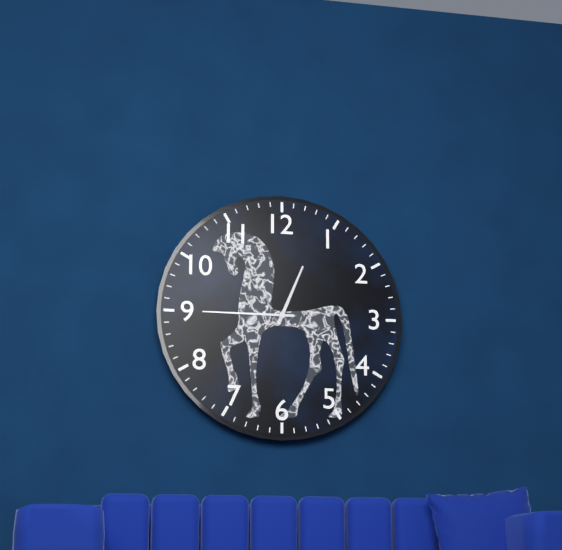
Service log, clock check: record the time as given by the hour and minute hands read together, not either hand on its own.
12:45
